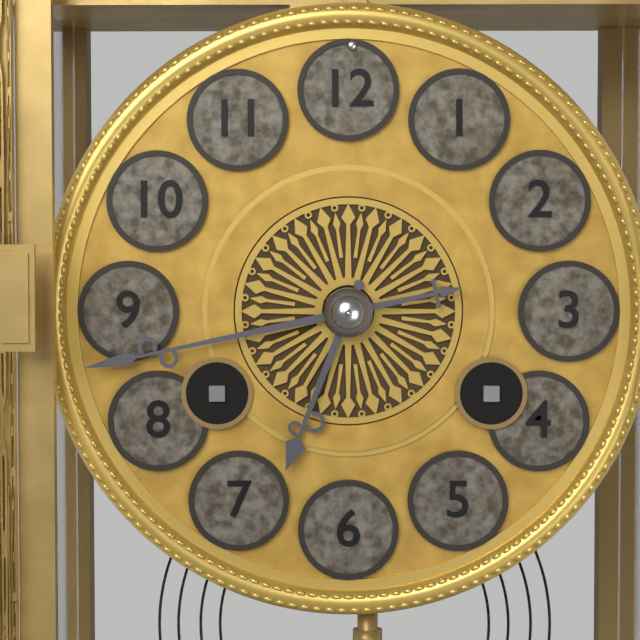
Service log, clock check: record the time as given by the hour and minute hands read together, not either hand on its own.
6:43
